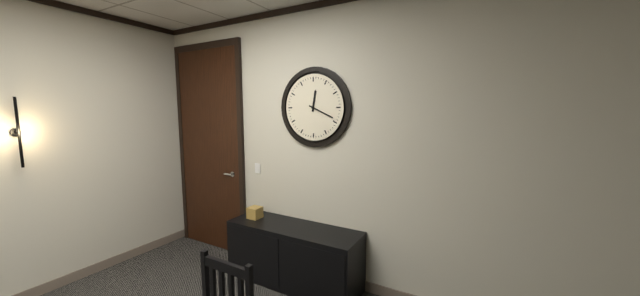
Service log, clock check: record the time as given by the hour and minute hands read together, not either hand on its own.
12:19
